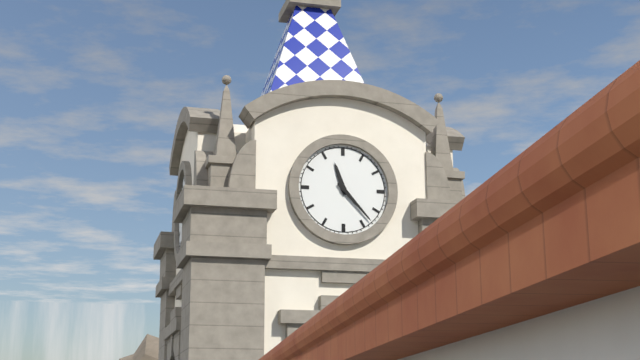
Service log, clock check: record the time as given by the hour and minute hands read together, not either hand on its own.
11:23
